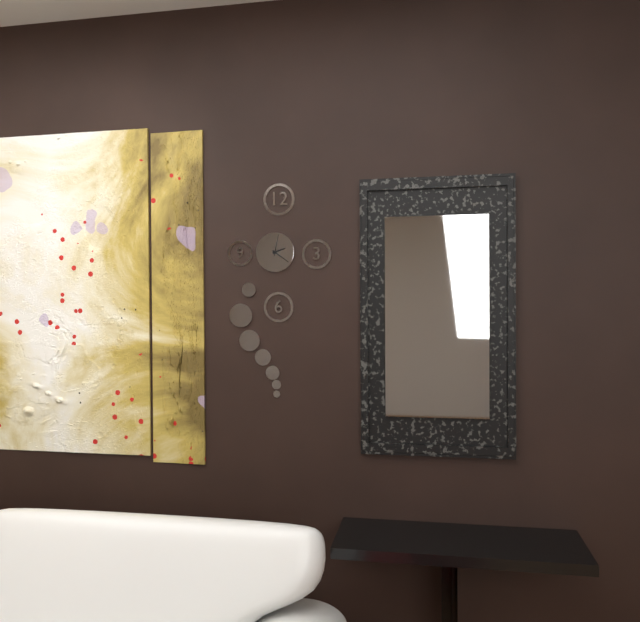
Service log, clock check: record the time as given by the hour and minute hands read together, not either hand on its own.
2:21
